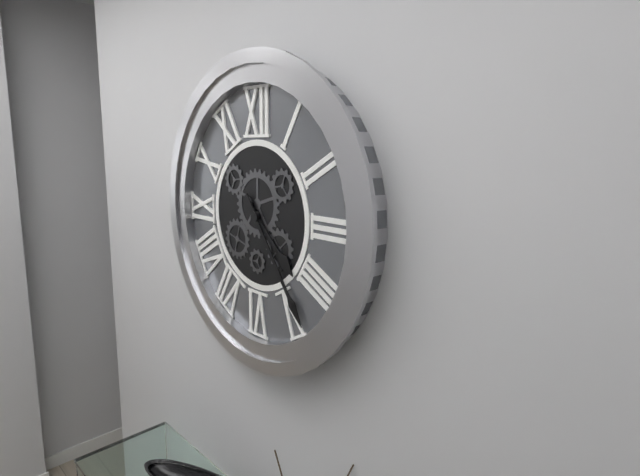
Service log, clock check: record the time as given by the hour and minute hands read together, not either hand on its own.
4:24
